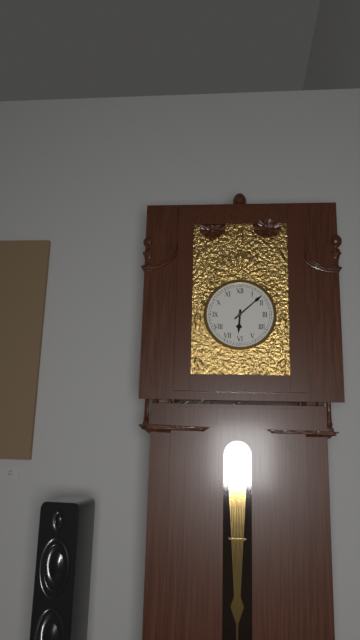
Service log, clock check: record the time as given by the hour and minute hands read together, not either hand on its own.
6:08
